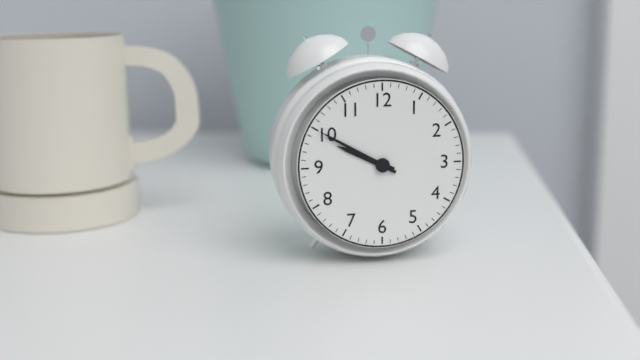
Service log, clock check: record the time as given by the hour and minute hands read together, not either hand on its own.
9:50
